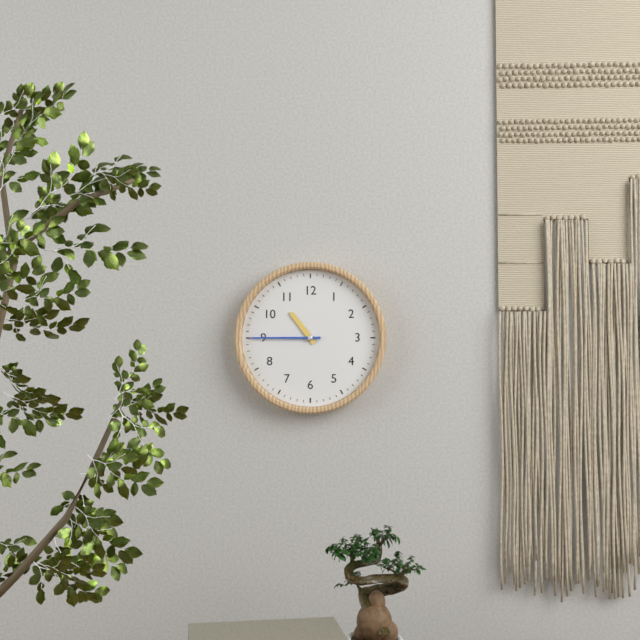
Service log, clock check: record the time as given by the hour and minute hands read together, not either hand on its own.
10:45
